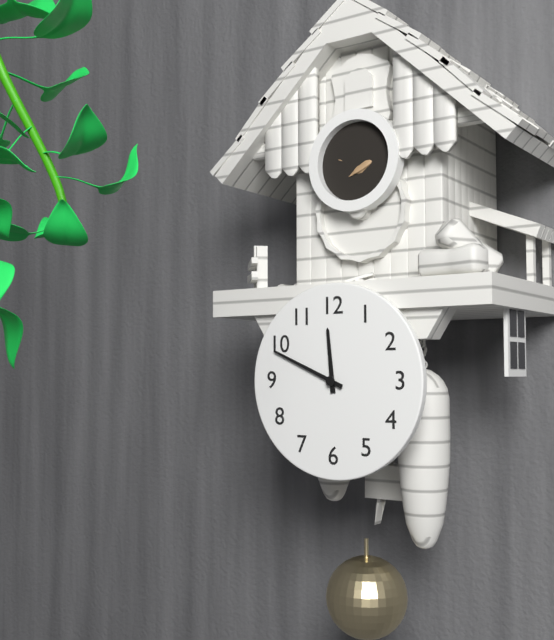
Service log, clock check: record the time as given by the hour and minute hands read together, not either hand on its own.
11:49
